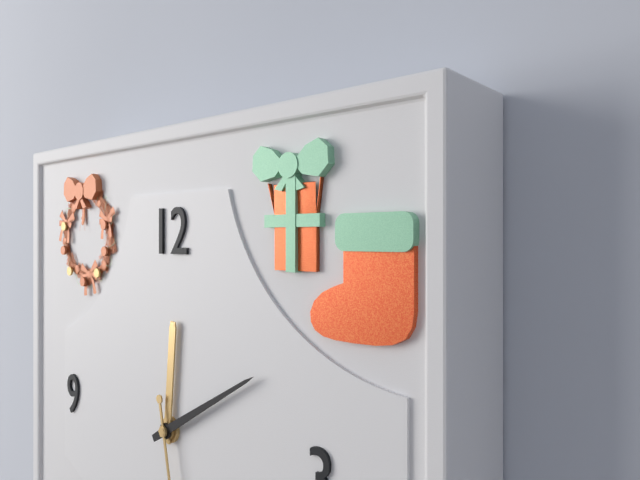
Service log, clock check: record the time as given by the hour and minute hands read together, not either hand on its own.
12:10
